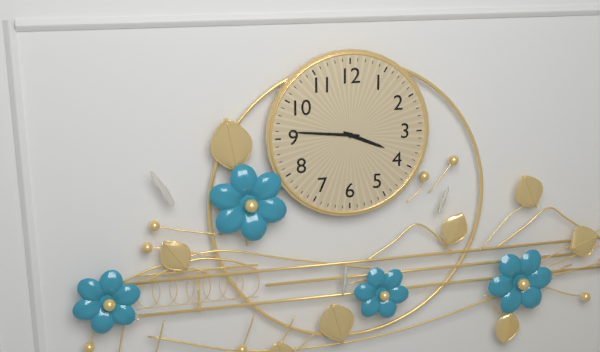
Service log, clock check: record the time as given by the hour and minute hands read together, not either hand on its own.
3:46
